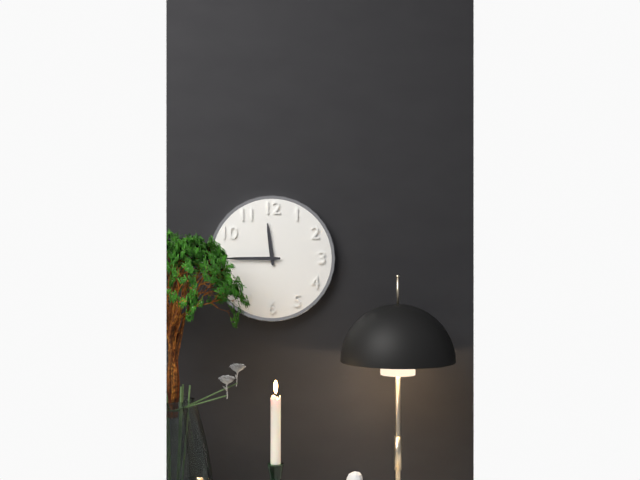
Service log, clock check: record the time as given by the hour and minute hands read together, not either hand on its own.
11:45
